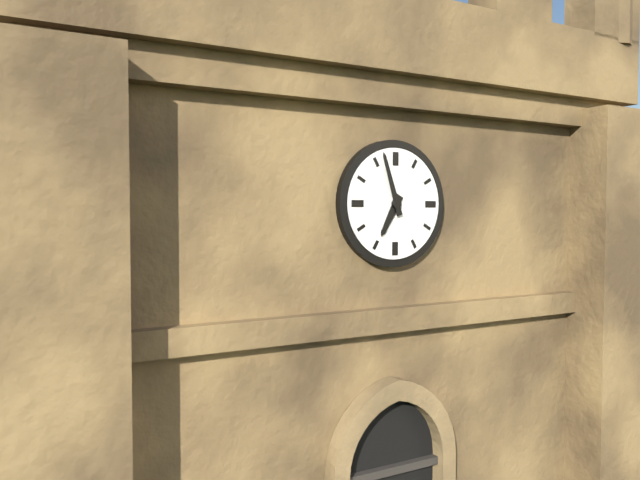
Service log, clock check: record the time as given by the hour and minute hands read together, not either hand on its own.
6:57
